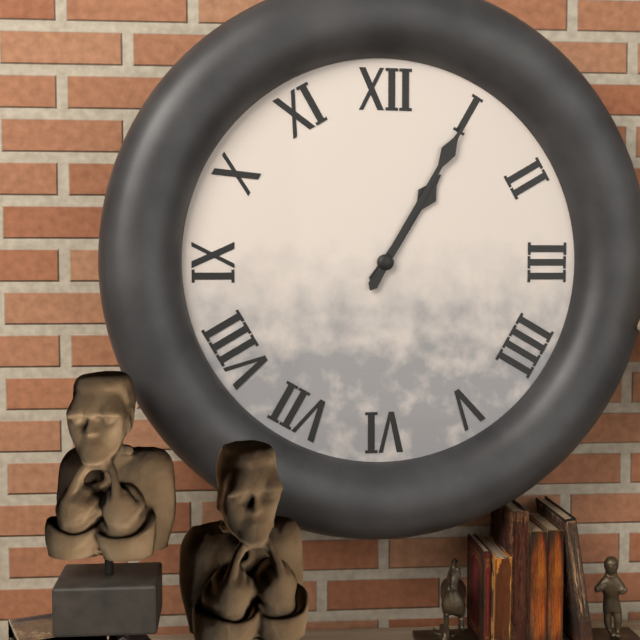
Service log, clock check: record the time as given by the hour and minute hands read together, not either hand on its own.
1:05
